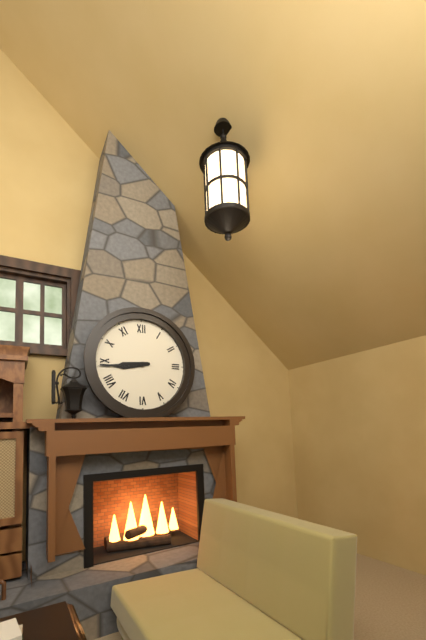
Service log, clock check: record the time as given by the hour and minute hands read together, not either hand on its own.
8:44
